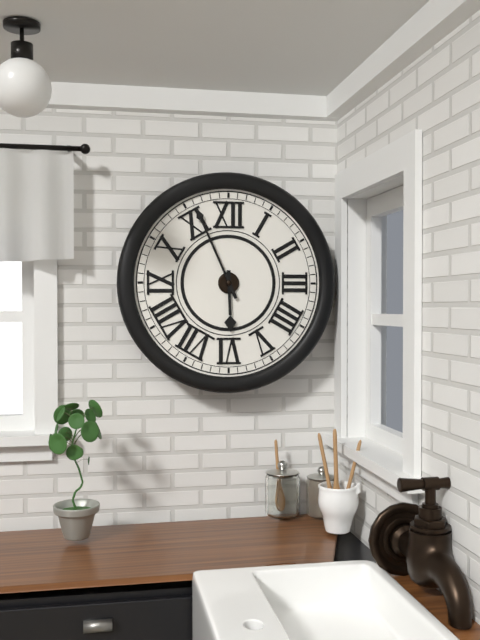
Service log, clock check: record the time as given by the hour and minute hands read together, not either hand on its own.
5:56
